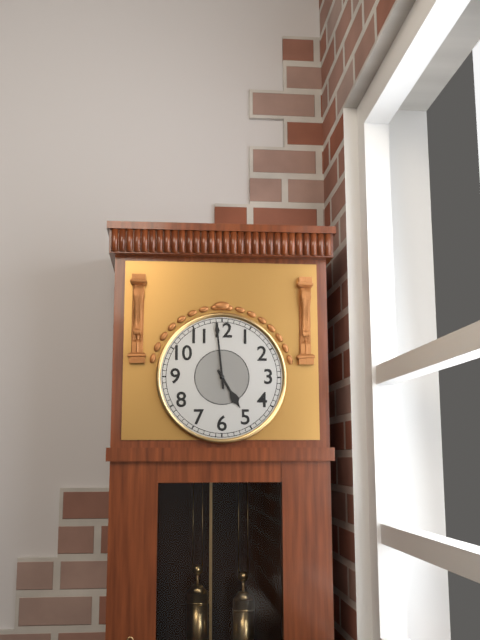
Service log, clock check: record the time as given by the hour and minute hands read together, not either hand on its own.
4:59
